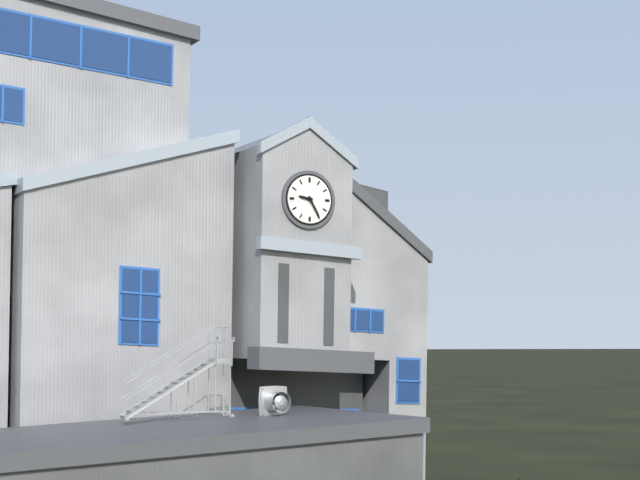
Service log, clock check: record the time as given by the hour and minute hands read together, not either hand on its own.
9:25
